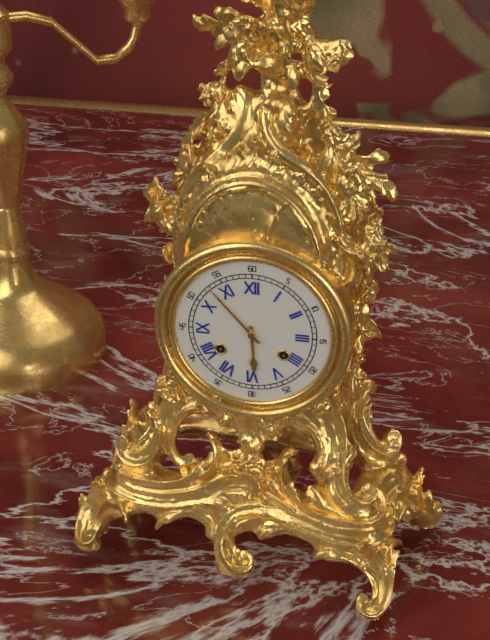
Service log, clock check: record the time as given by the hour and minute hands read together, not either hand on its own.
5:53
